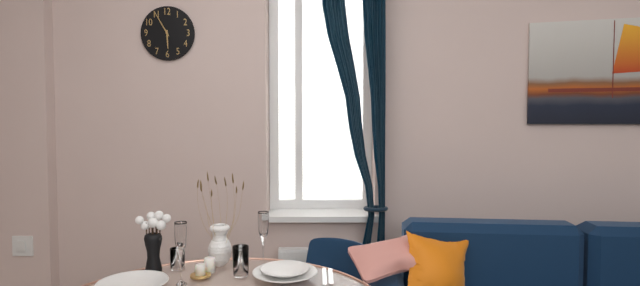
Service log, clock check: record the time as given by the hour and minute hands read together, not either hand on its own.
5:55
